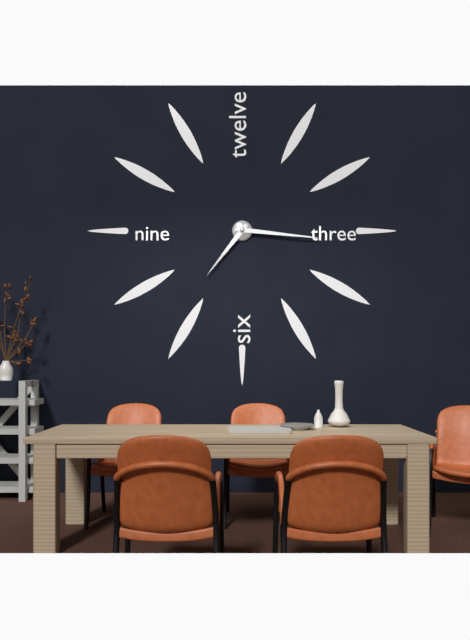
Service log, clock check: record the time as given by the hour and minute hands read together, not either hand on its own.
7:16
